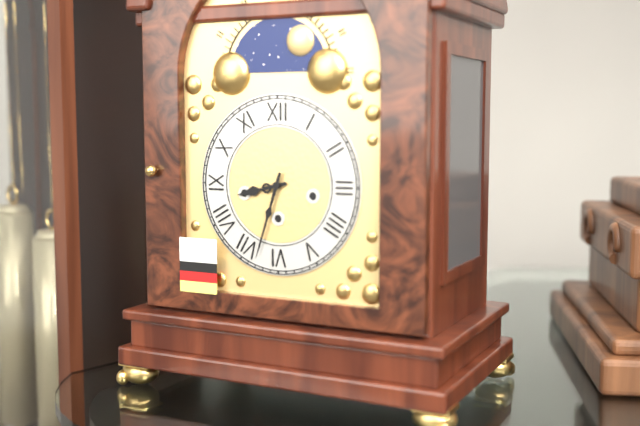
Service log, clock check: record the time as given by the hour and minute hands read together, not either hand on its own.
8:33
